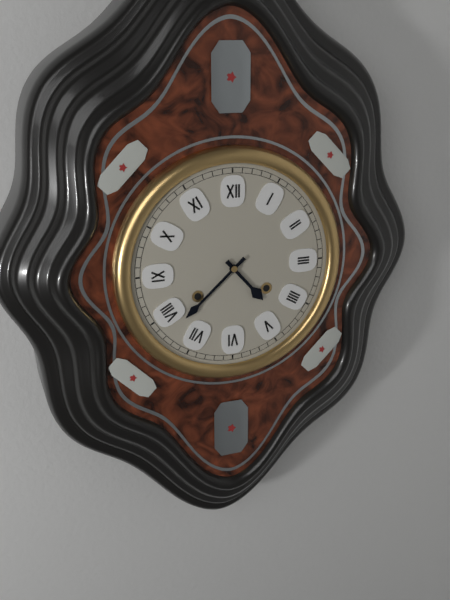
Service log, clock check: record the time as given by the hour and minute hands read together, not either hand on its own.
4:38
